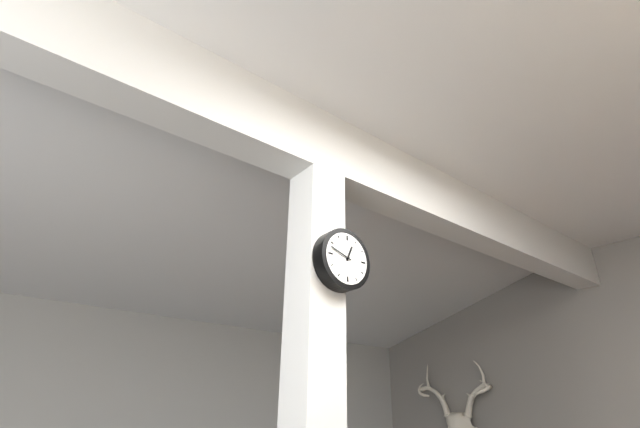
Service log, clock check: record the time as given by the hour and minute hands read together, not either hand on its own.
12:48
